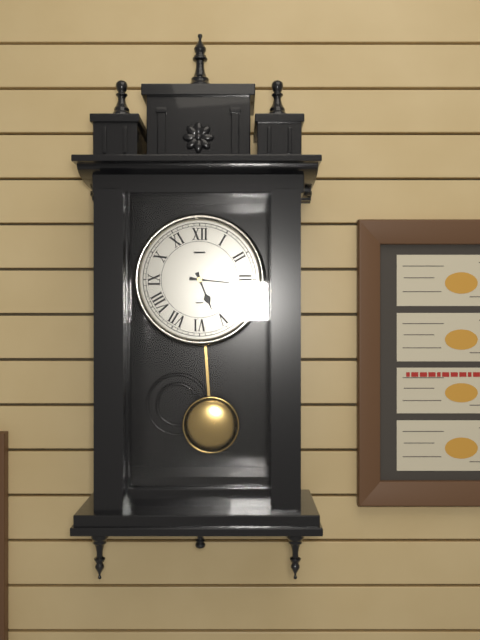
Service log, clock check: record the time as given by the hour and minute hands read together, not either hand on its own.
5:16
